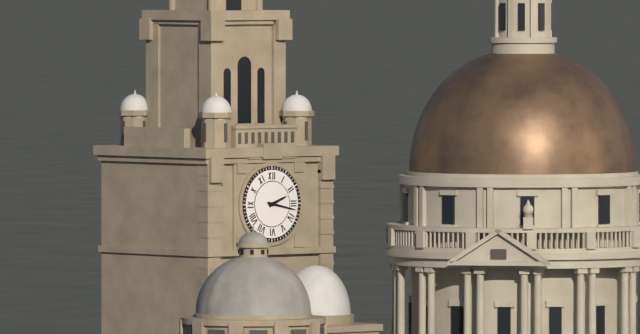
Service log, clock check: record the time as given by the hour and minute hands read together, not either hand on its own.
2:17
